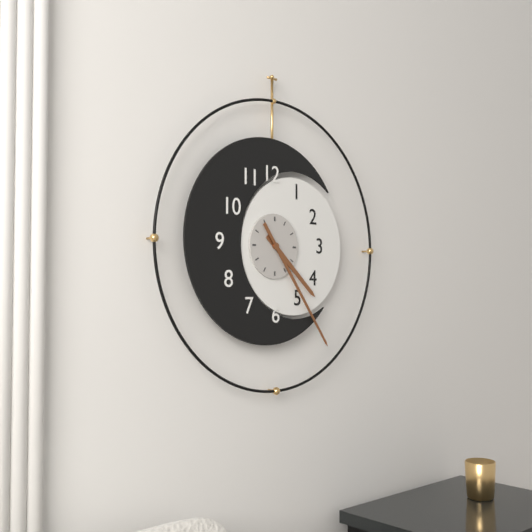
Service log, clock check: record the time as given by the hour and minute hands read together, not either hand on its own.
4:24
